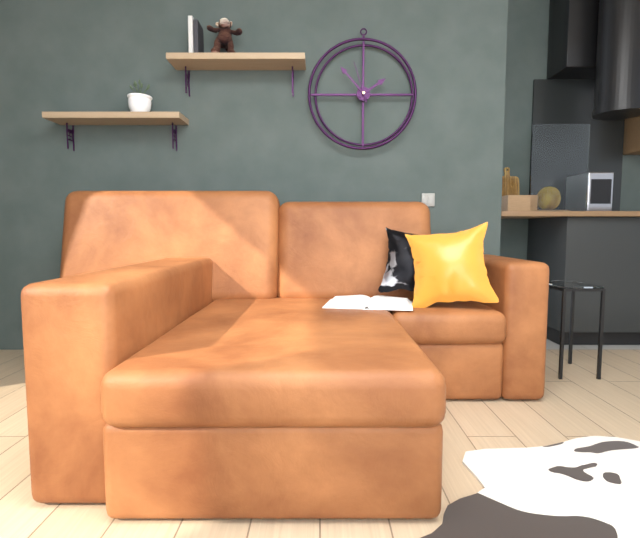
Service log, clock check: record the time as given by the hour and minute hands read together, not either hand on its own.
1:53
